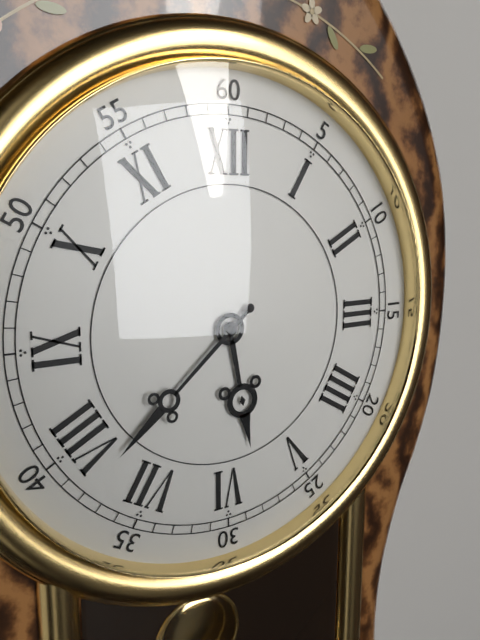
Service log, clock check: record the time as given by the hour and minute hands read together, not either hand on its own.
5:38
